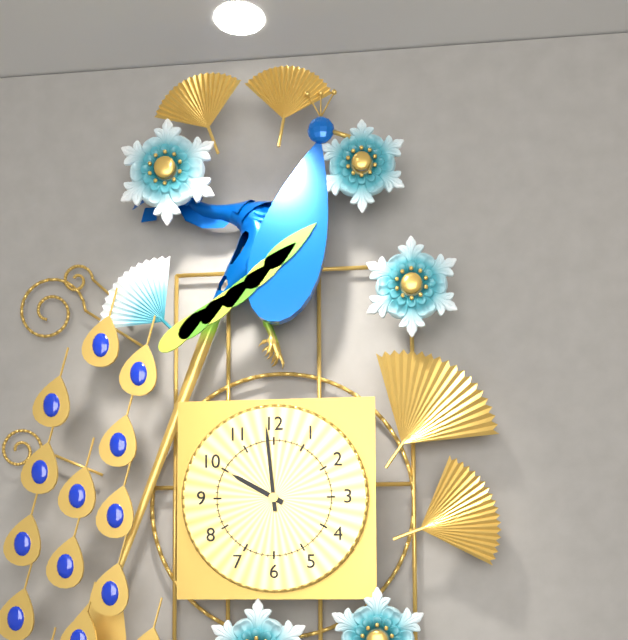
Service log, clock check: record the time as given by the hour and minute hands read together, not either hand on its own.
9:59
